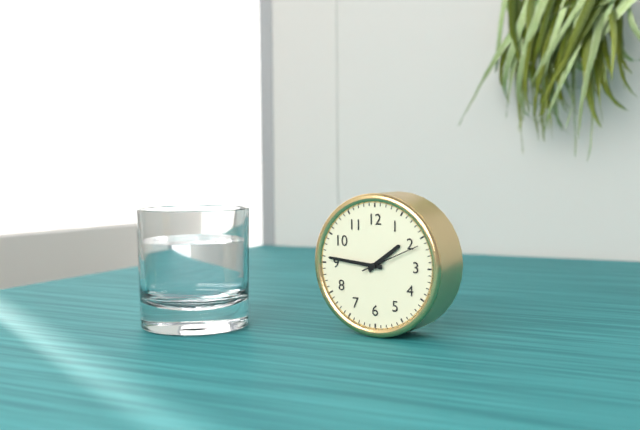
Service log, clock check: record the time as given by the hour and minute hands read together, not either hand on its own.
1:46
